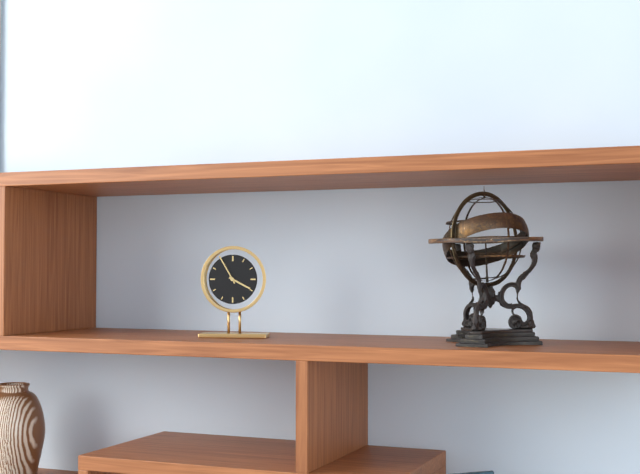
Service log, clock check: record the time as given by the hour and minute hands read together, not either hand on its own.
3:55
